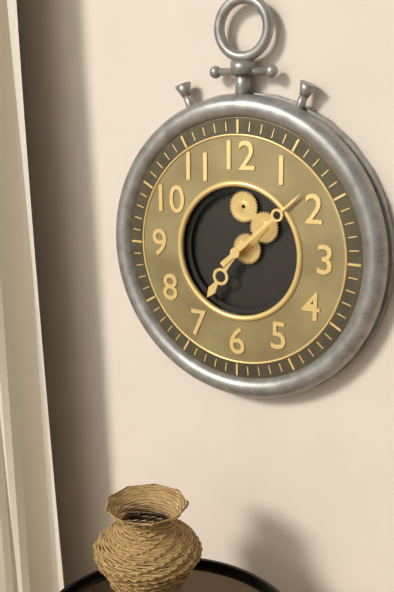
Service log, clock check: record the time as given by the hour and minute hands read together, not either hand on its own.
7:08
